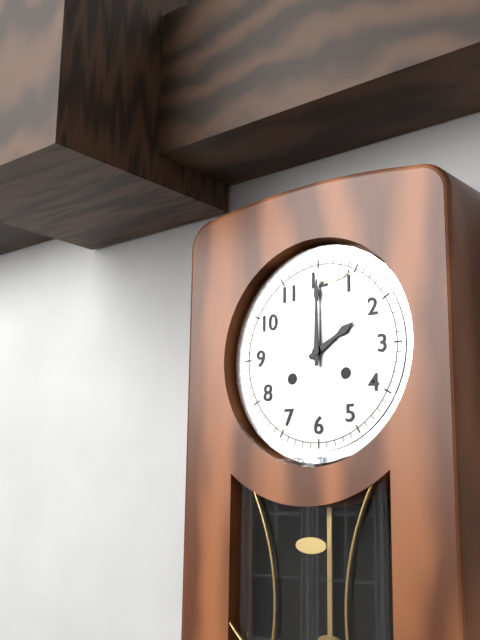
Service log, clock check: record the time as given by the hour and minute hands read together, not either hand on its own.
2:00
